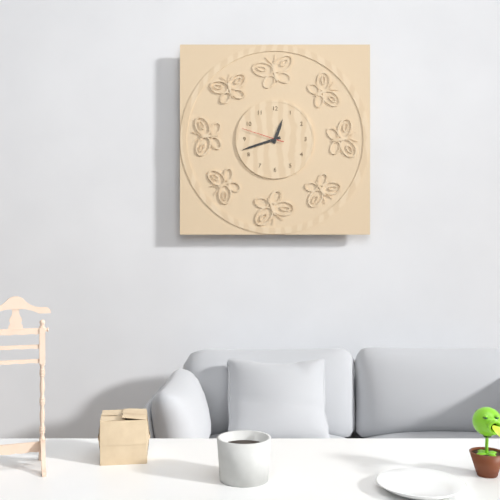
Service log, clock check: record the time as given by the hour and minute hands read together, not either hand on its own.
12:42
